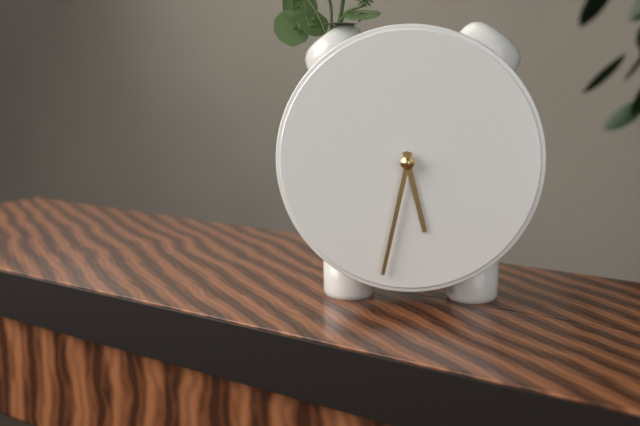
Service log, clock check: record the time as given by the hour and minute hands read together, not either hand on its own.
5:32
